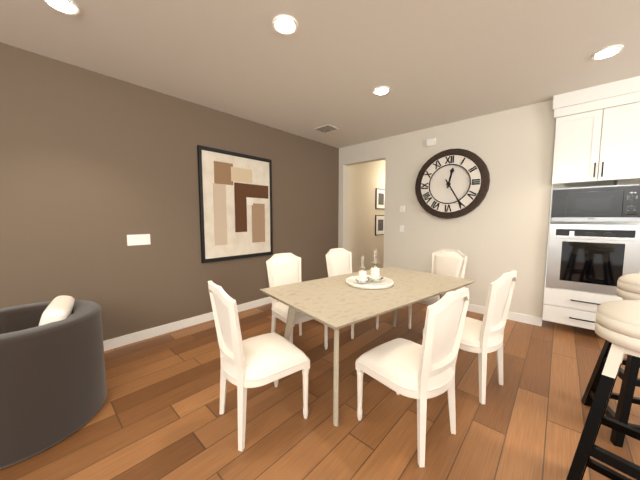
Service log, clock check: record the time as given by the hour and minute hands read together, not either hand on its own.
12:25
